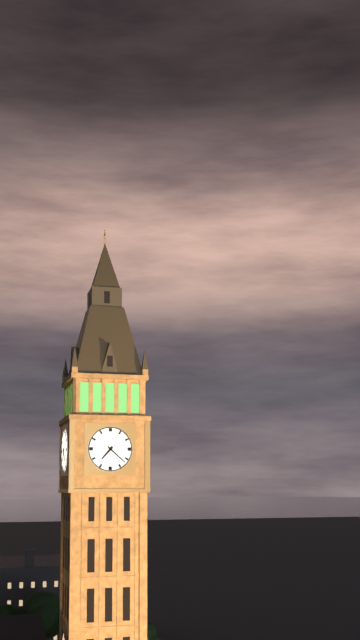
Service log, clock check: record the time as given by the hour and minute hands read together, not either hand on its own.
7:22
